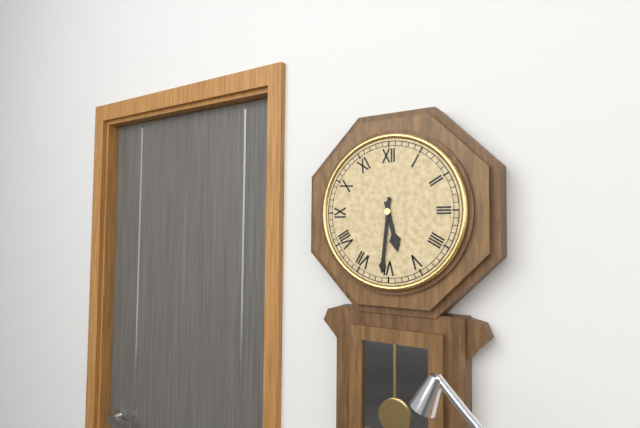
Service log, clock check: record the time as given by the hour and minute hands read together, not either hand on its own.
5:31
